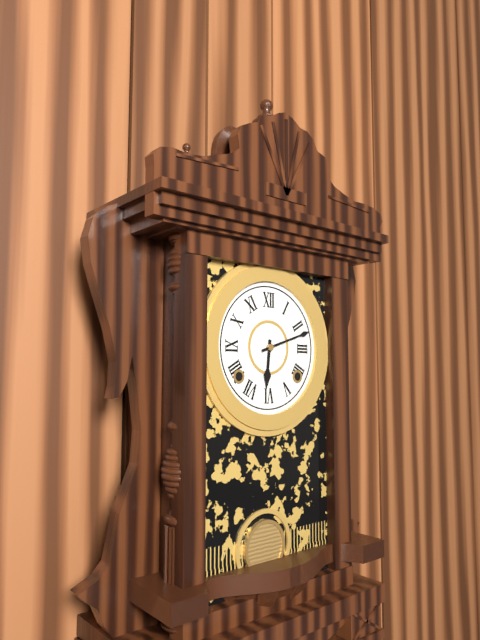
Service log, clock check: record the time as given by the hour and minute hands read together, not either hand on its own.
6:12
